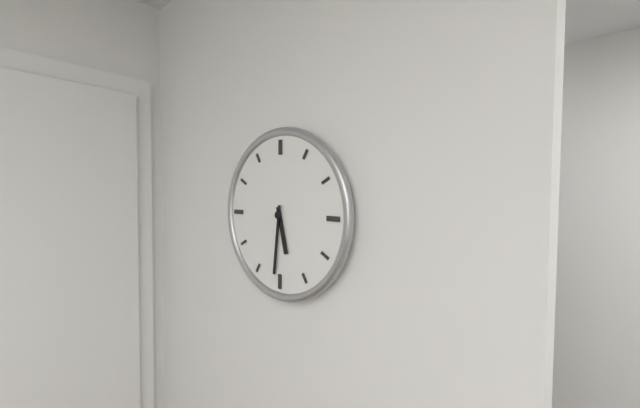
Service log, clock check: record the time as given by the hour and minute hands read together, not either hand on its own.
5:31
